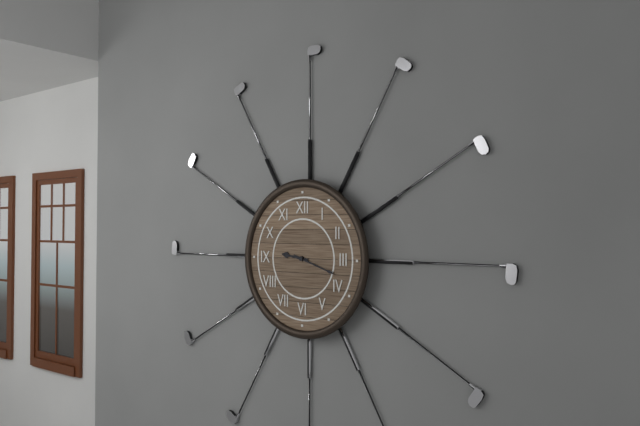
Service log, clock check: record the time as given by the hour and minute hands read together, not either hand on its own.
9:18
